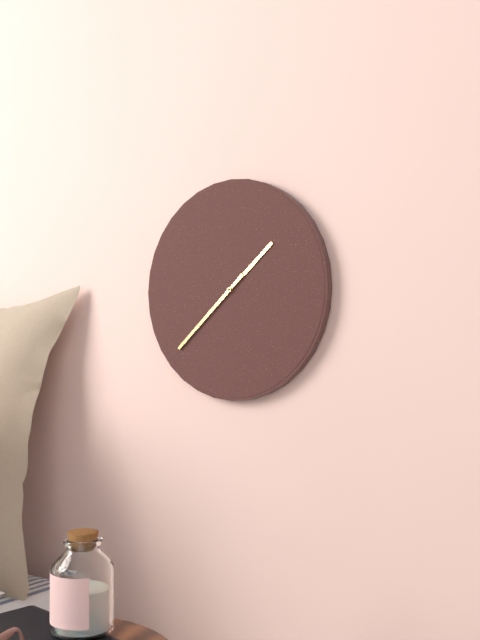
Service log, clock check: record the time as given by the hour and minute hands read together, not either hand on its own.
1:38
